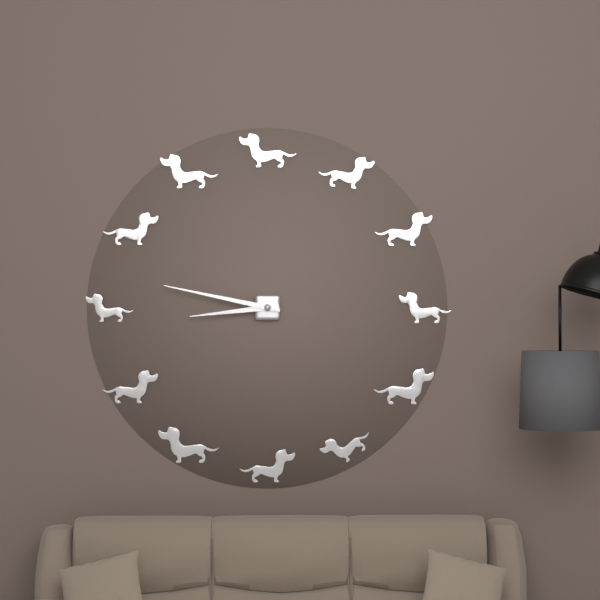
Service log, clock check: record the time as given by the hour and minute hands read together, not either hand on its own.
8:47
